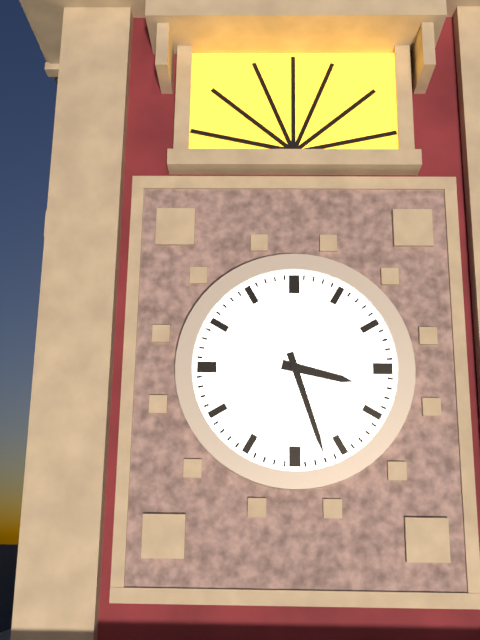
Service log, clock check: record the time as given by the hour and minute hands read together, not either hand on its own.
3:27
